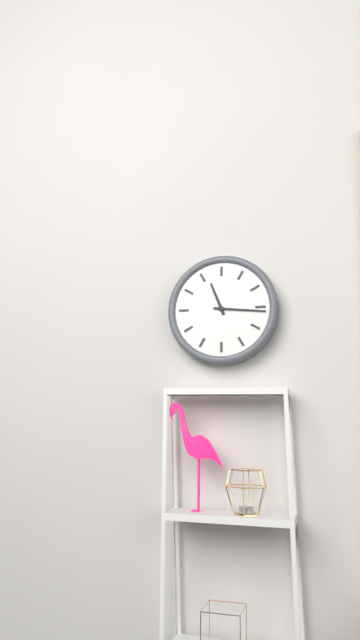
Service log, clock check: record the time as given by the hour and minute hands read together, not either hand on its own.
11:16
